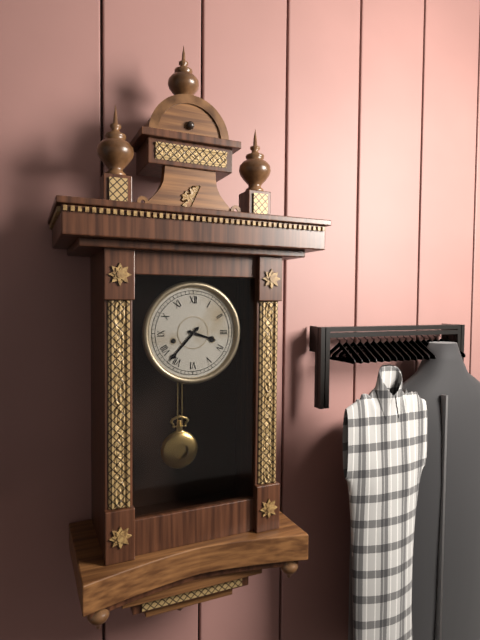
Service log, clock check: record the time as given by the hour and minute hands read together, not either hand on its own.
3:37
